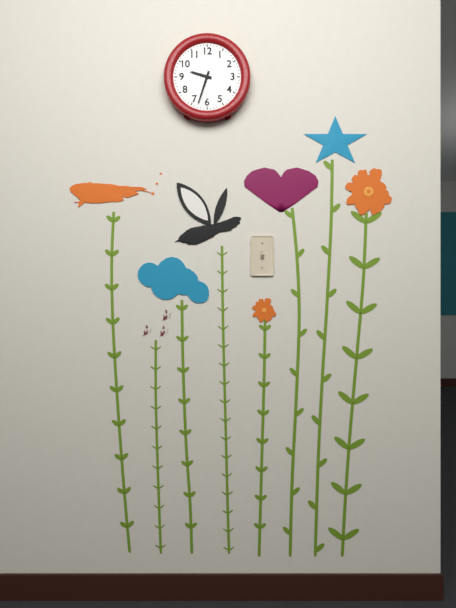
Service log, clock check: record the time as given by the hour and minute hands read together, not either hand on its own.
9:33
